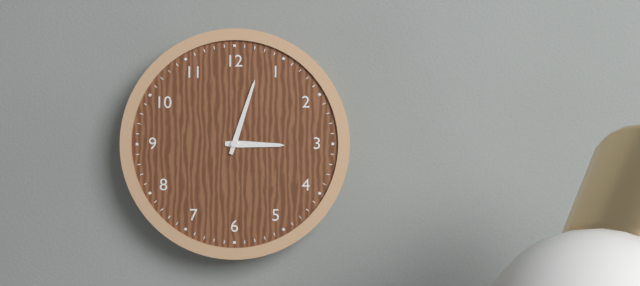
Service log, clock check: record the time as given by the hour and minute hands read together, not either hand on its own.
3:03
